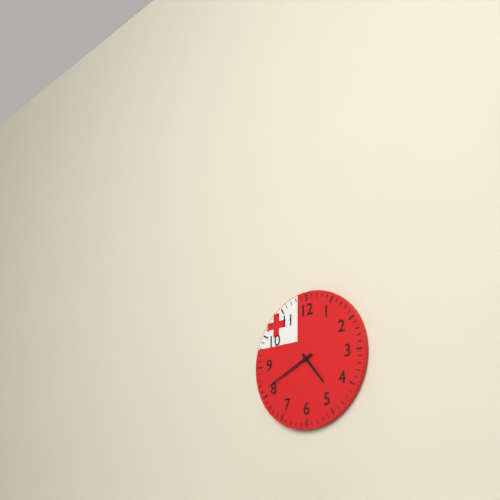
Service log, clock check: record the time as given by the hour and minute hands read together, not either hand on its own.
4:41
